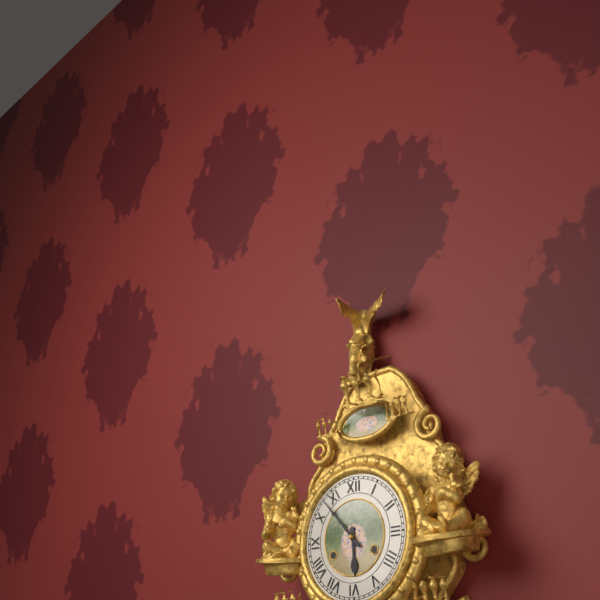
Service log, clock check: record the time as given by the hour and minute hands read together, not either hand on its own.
5:53
